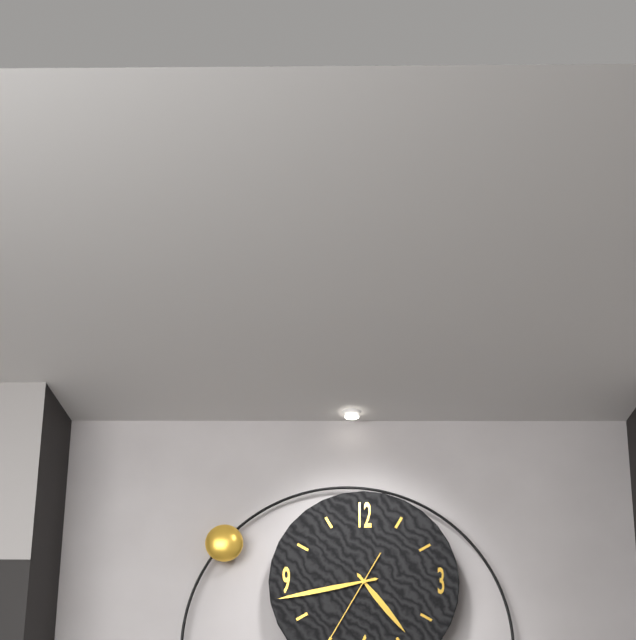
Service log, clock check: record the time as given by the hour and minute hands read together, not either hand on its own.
4:43
